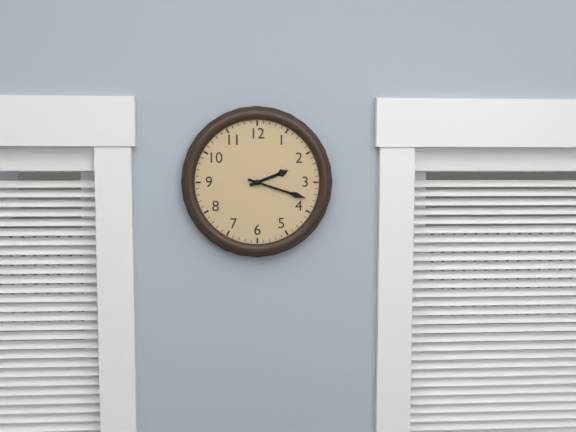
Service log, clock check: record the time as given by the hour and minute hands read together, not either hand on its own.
2:18
